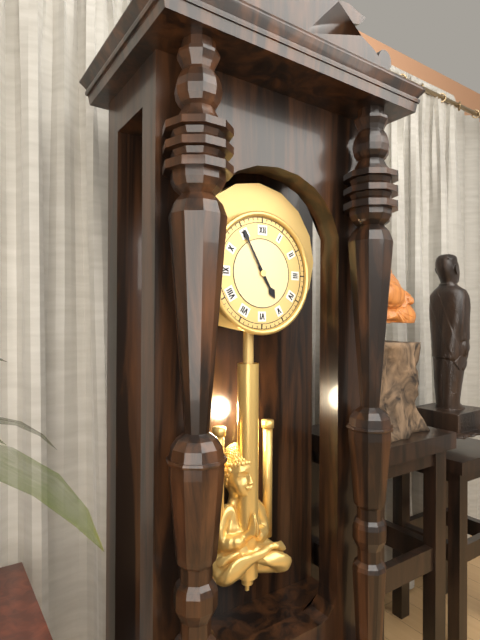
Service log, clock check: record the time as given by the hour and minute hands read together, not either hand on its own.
4:55
